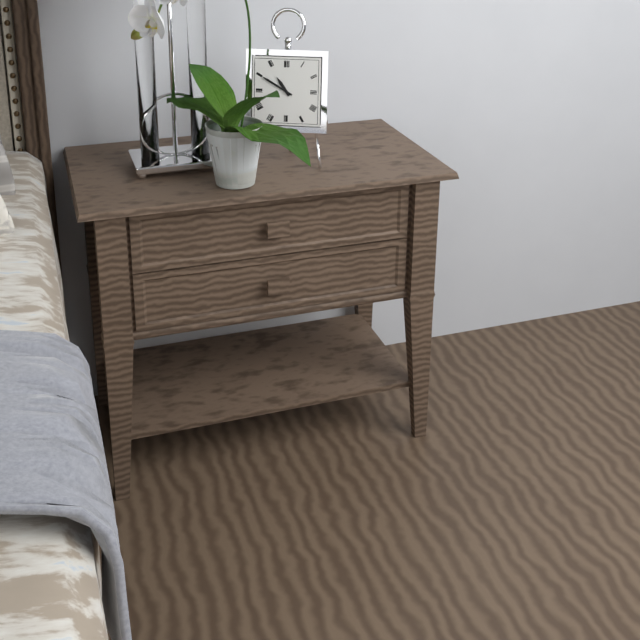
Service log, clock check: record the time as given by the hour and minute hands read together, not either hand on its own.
10:50
